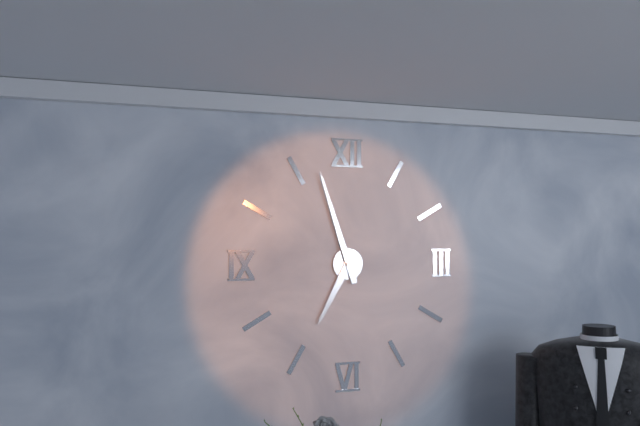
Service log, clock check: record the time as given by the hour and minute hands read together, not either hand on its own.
6:57
